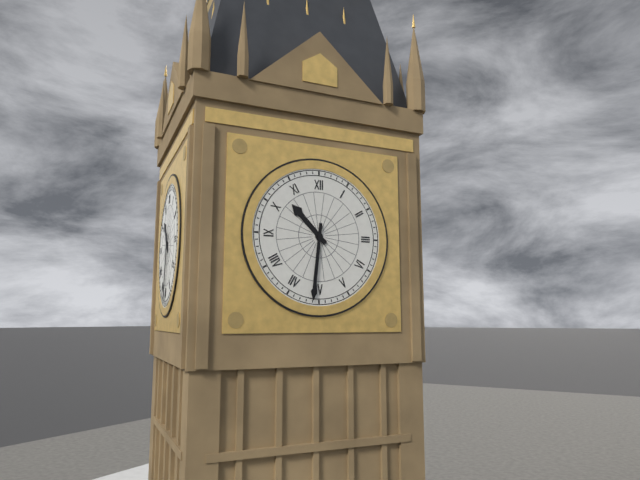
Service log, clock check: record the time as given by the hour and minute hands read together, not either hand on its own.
10:31
